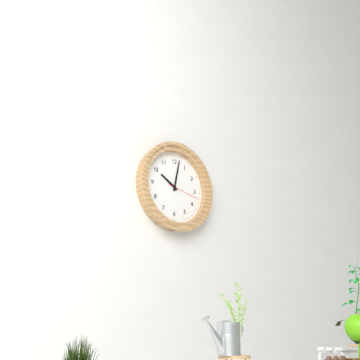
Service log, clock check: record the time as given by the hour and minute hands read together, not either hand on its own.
10:02
